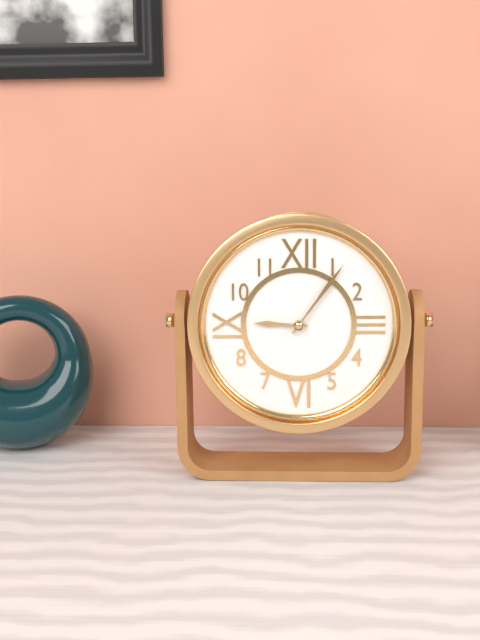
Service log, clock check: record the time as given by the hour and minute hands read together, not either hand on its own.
9:06
